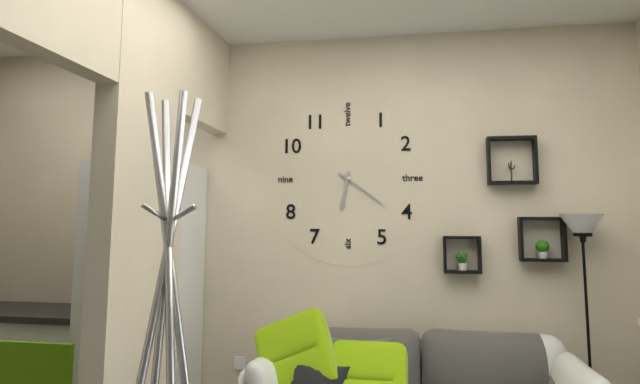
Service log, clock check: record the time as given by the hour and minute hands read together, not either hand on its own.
6:21
